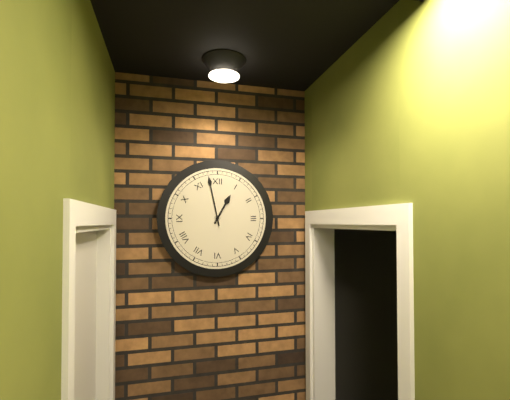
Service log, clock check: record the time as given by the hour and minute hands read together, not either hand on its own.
12:58
